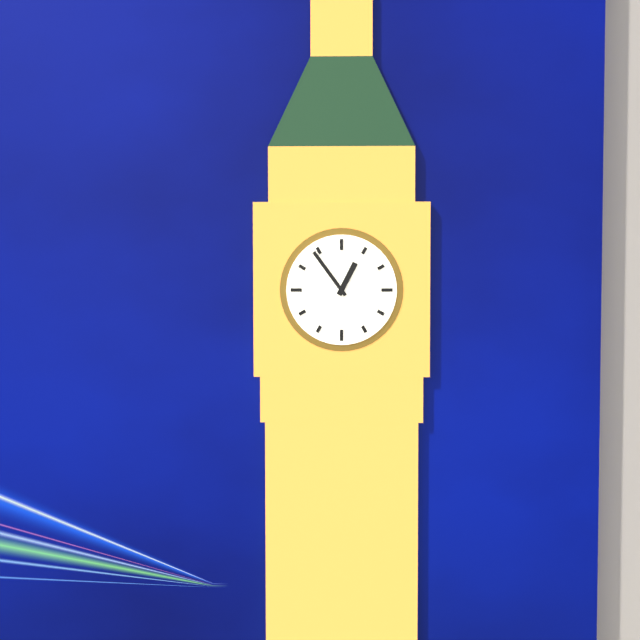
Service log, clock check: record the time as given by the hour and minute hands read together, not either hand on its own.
12:54
